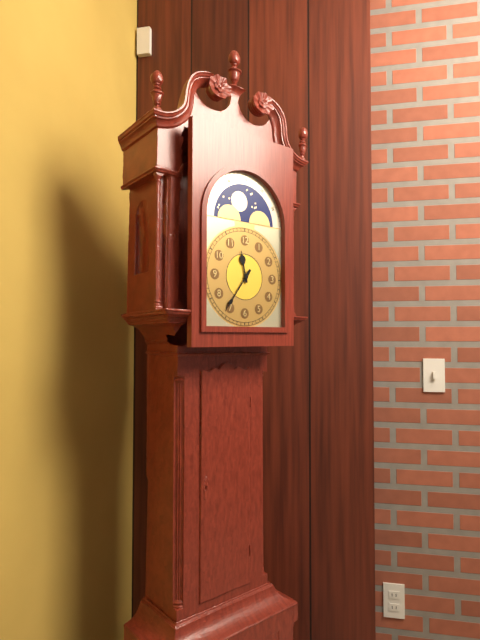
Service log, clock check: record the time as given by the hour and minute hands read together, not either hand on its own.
11:36
